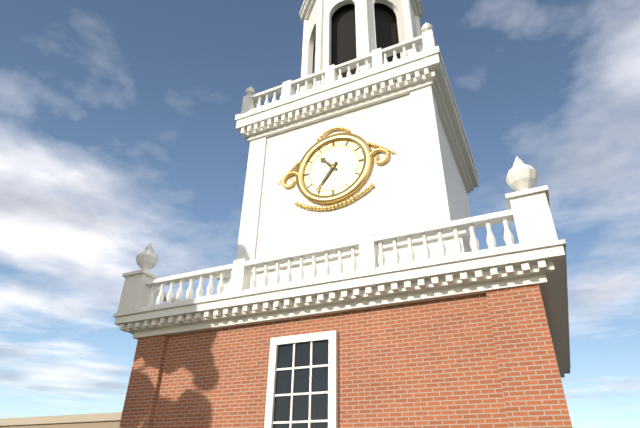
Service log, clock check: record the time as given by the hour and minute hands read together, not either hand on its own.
10:36
